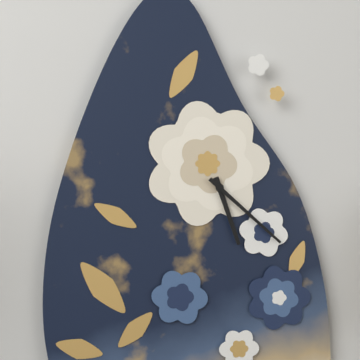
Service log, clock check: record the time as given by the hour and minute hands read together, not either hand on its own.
5:22
